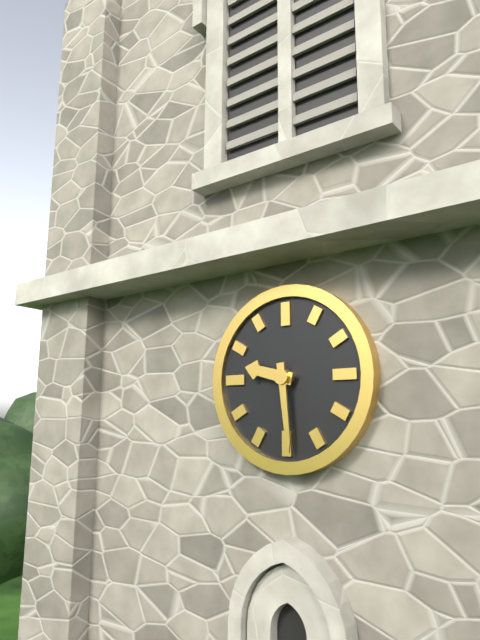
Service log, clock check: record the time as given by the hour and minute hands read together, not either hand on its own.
9:29
